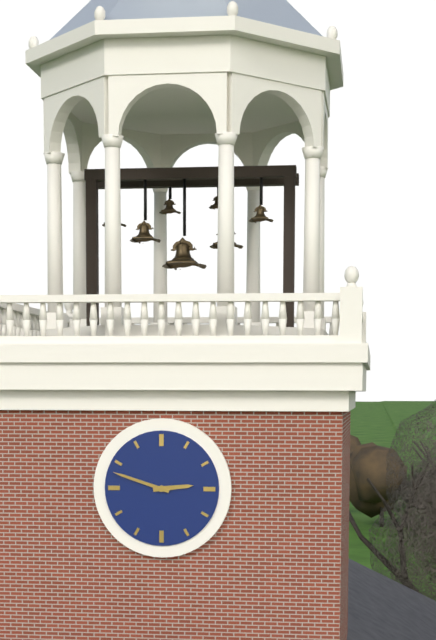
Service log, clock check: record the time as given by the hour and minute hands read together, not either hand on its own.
2:48
